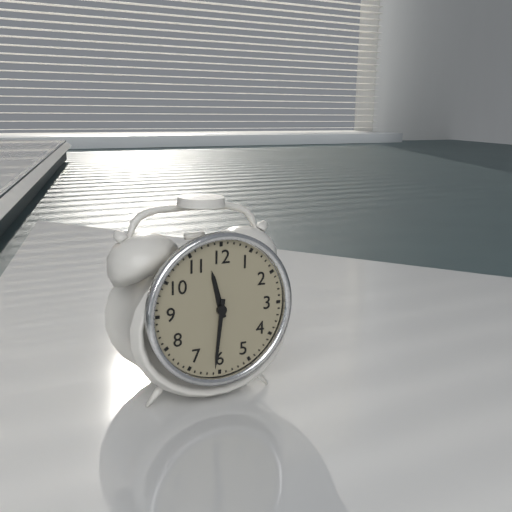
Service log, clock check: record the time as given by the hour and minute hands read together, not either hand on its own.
11:31
